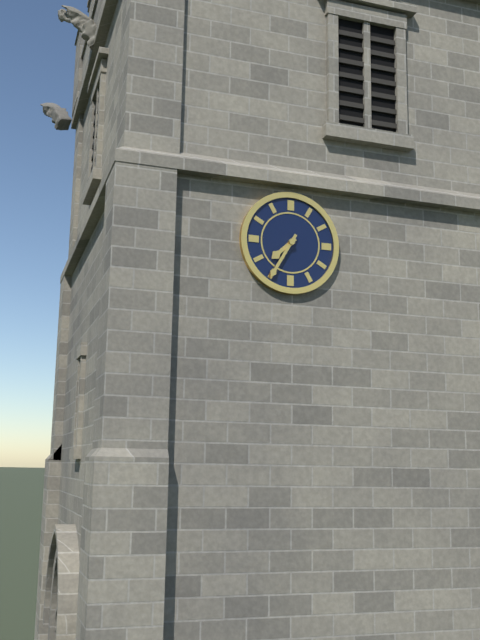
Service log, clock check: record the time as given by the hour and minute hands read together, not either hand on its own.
7:35
